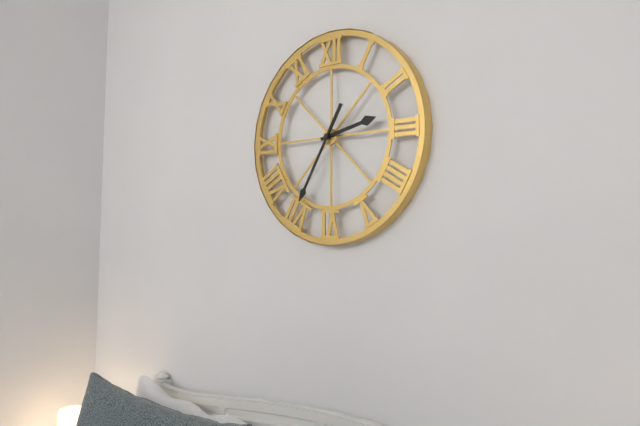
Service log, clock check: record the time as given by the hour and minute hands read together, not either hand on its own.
2:35
